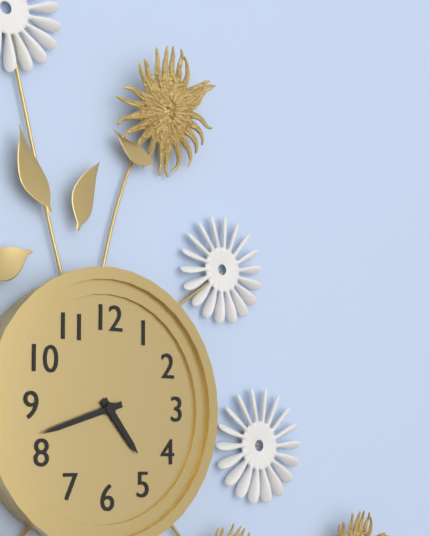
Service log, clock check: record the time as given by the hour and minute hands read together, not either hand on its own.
4:42
